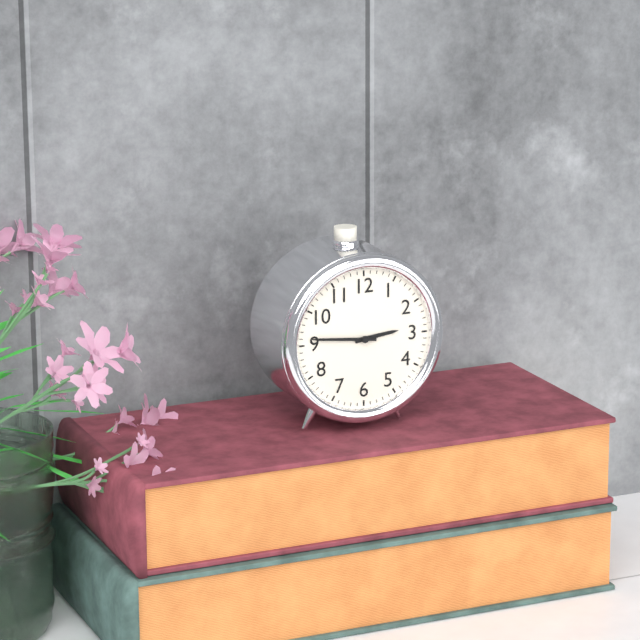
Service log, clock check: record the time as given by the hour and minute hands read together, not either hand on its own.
2:46
